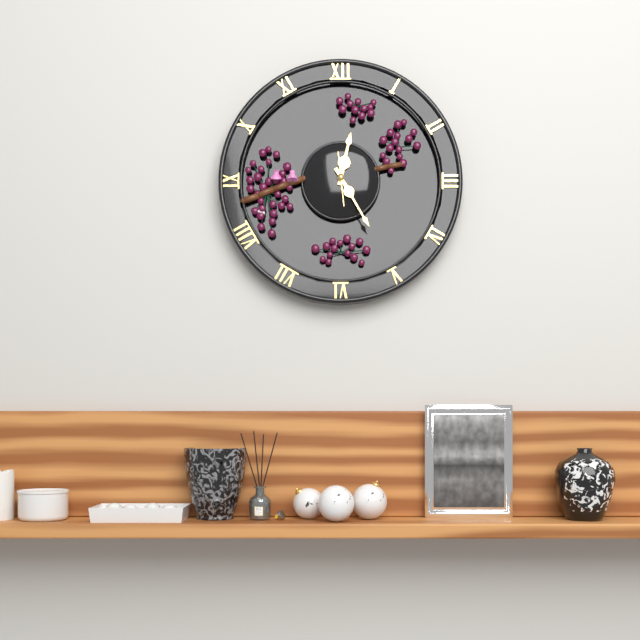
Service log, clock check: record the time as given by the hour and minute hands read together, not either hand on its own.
12:25
